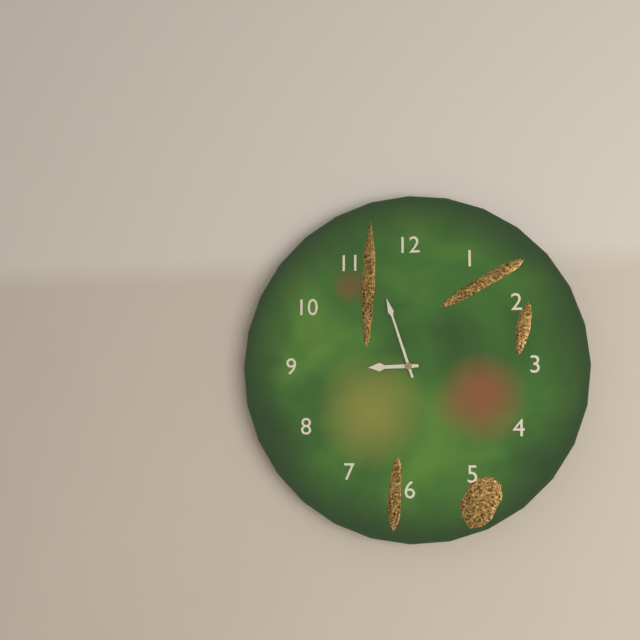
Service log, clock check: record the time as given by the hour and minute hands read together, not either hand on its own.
8:57
